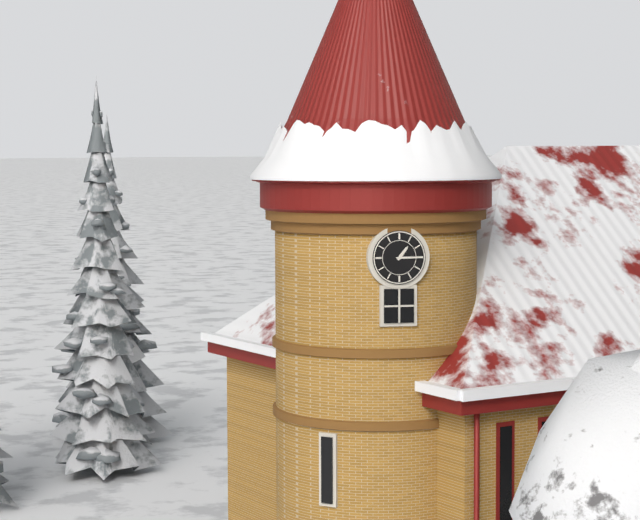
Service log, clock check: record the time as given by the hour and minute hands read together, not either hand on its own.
1:15
